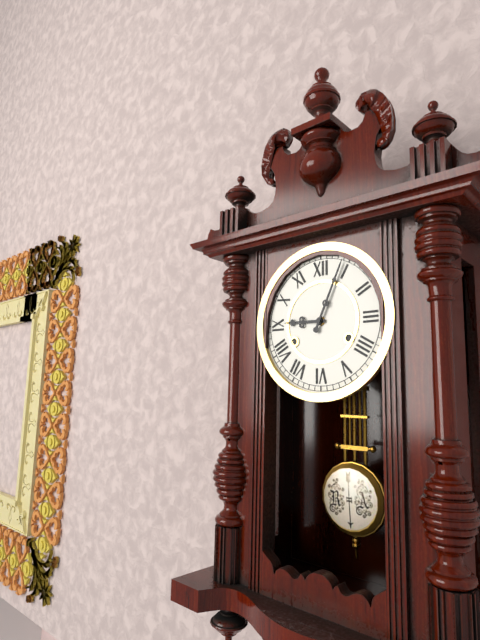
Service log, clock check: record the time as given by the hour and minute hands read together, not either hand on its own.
9:04
